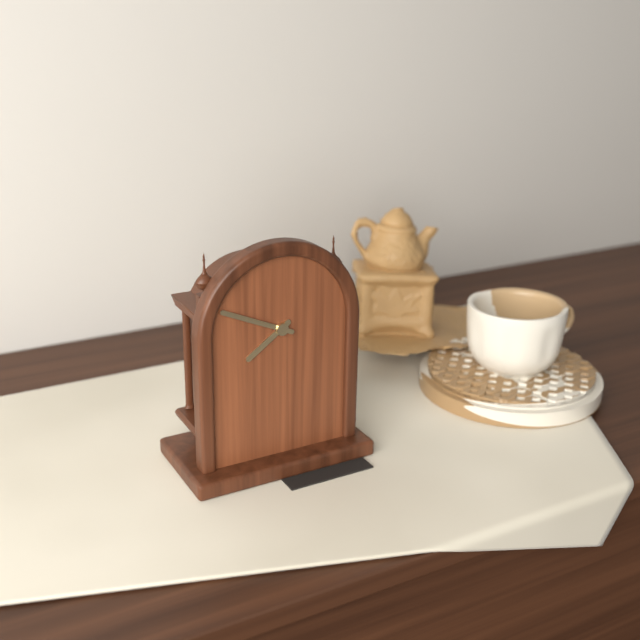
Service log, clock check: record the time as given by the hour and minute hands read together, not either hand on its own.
7:49
